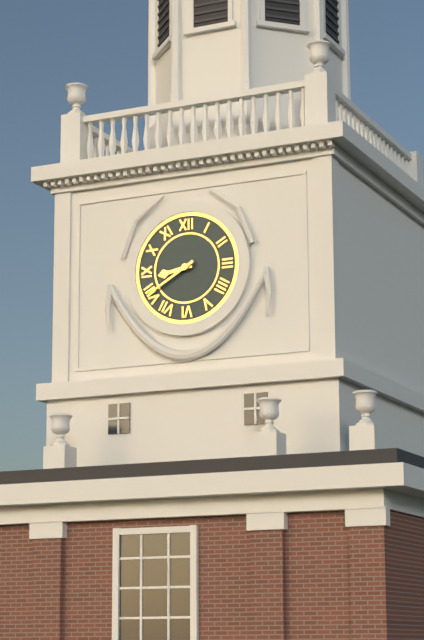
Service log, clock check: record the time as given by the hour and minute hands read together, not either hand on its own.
8:40
